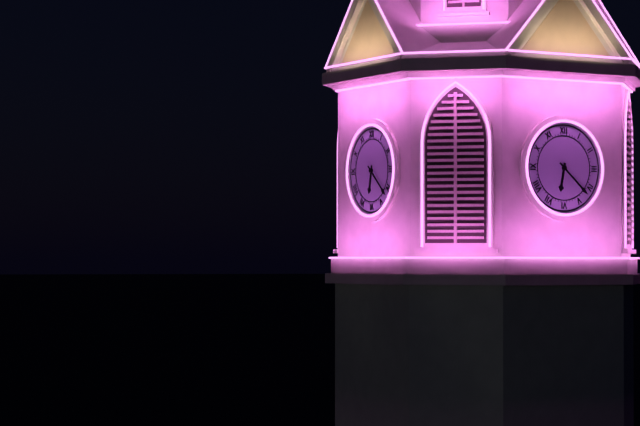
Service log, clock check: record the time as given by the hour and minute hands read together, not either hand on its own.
6:22
